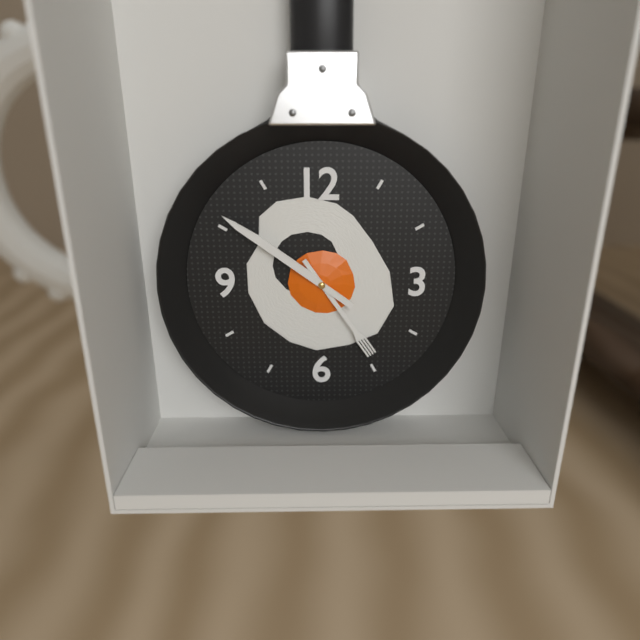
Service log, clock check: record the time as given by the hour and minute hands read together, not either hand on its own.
4:51
